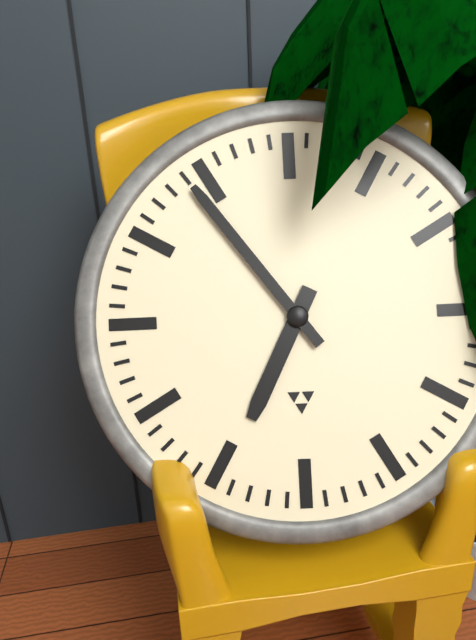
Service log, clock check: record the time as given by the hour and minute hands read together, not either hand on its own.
6:54
